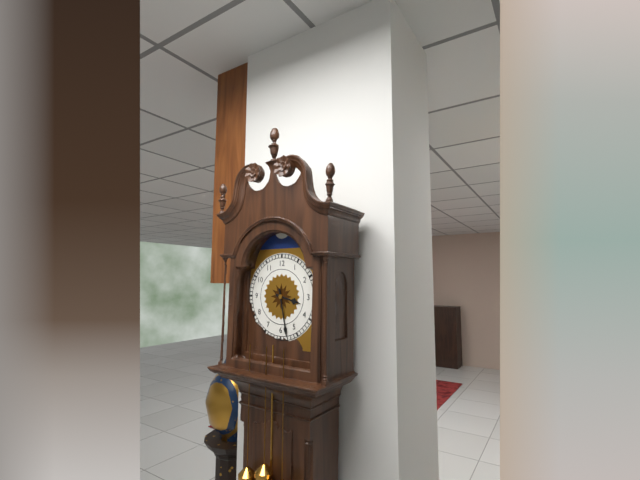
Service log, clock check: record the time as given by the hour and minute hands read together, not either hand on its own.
3:28
